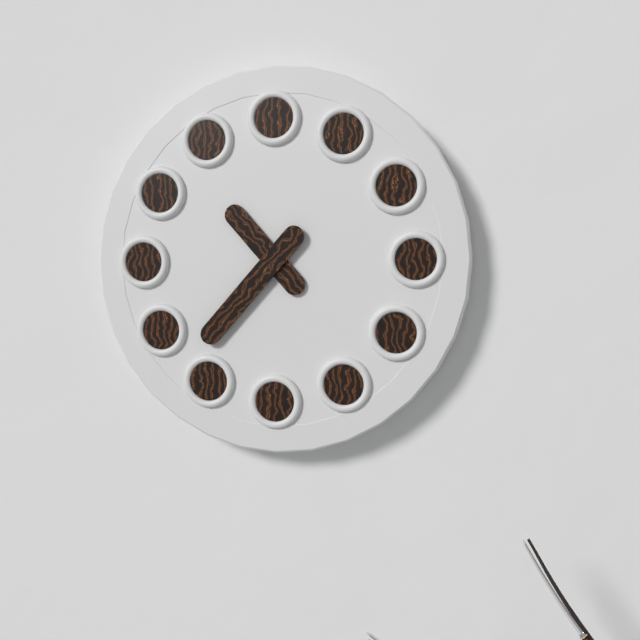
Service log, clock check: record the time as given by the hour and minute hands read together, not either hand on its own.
10:37
